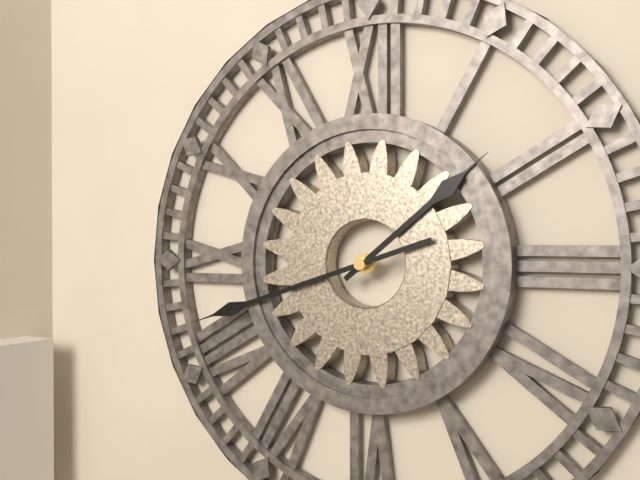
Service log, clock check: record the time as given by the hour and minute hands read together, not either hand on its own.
1:42
